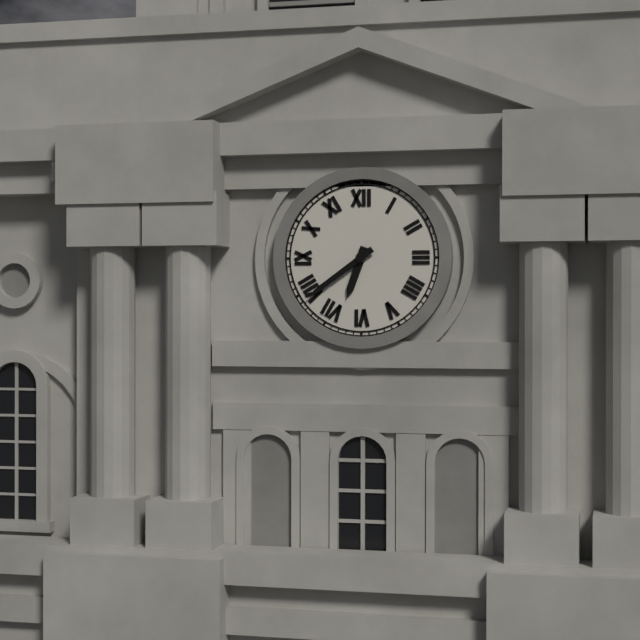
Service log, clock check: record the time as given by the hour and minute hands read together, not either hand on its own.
6:39
